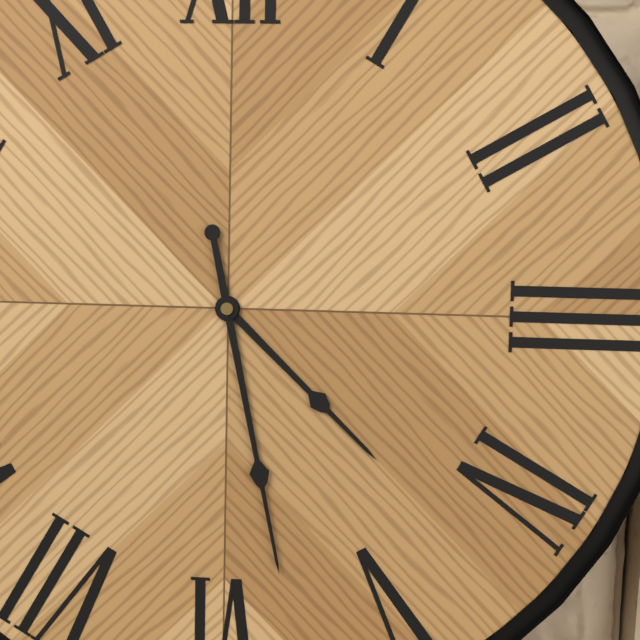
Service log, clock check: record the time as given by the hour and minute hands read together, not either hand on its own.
4:28
